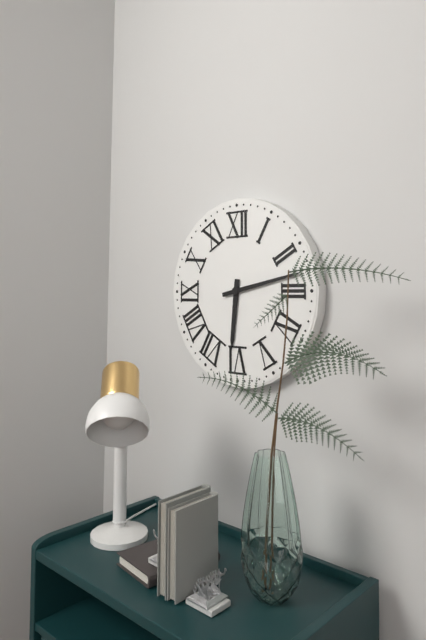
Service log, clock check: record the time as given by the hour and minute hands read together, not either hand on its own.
6:13
